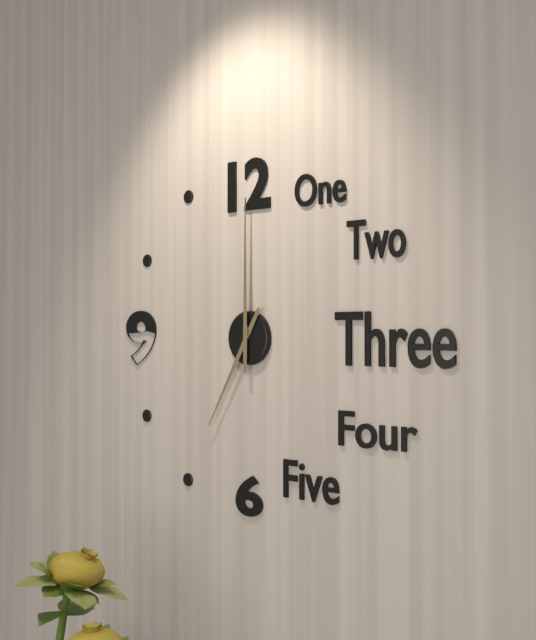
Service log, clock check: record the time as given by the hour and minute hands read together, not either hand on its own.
7:00
